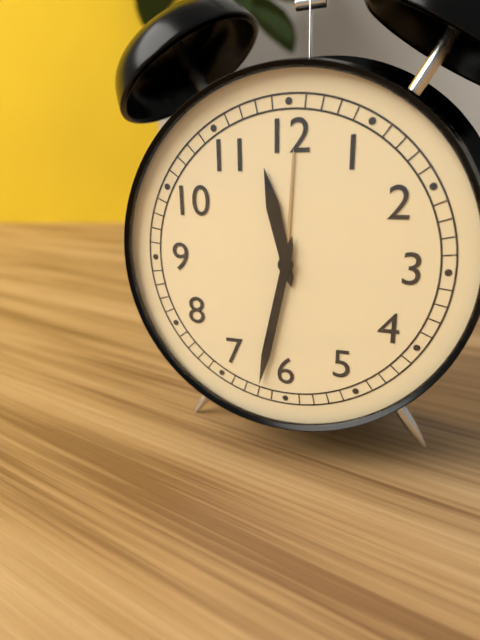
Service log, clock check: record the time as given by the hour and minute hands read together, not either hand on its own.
11:32
